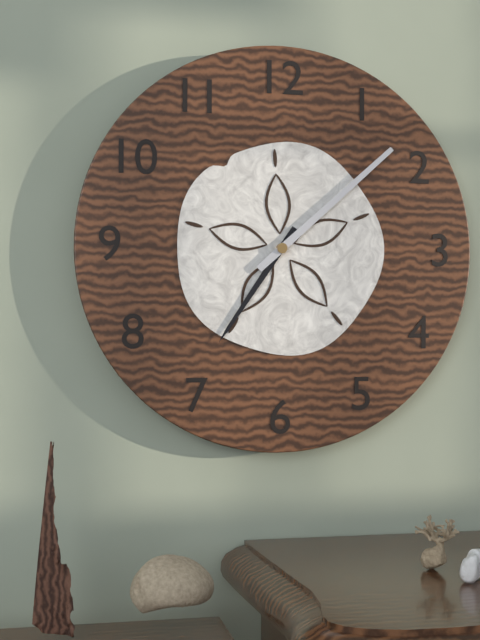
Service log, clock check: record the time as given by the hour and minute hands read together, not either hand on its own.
7:08
